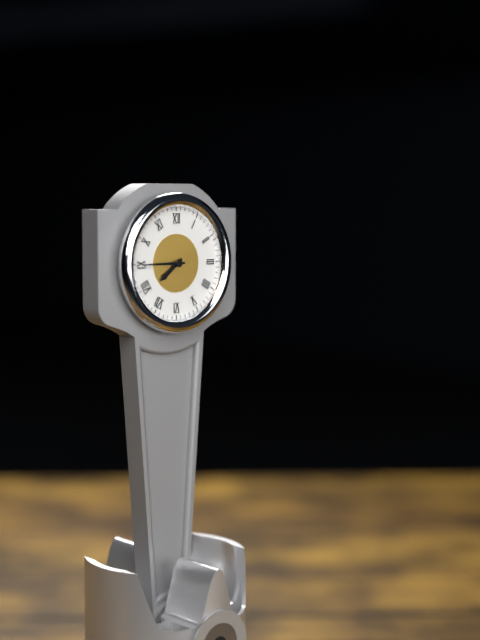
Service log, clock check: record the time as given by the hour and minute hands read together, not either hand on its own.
7:45
